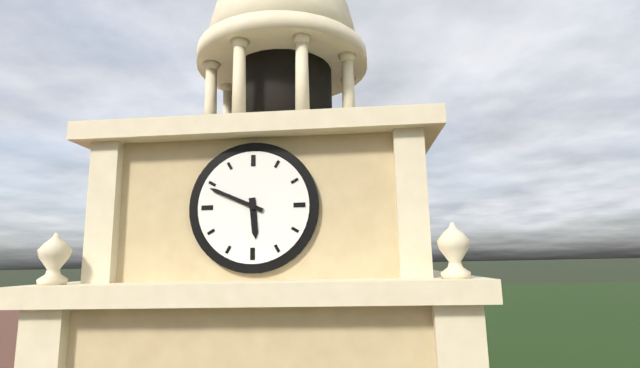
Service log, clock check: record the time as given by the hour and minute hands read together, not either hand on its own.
5:49
